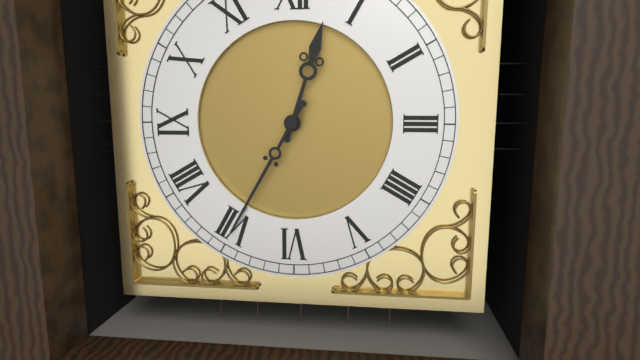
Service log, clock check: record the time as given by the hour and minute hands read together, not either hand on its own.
12:35
